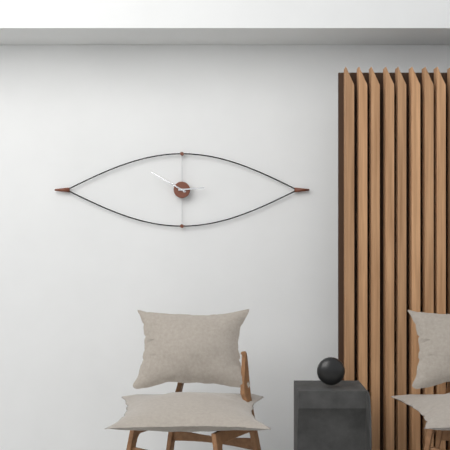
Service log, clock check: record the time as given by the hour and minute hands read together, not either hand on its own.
2:50
